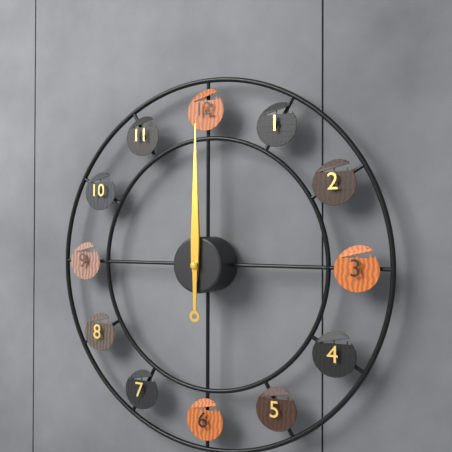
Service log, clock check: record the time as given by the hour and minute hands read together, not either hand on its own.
12:00
